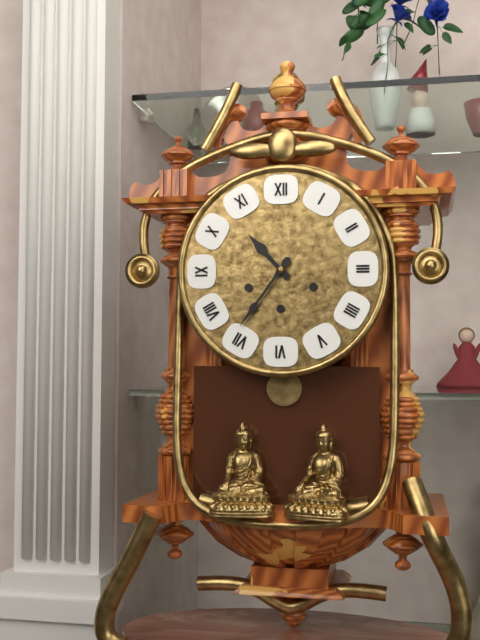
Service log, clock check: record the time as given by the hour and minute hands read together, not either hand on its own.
10:36
